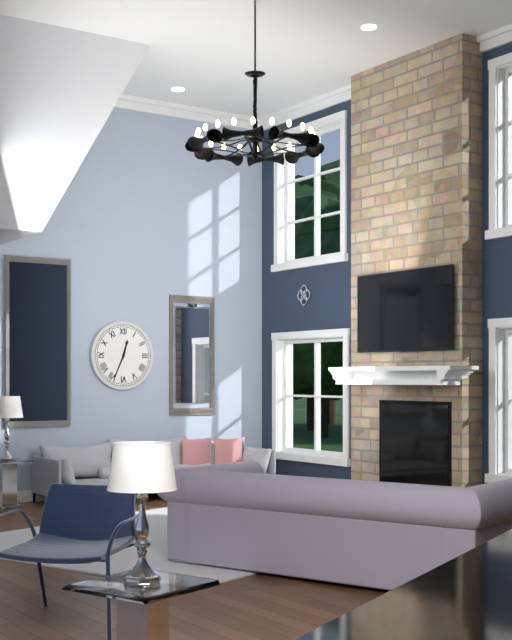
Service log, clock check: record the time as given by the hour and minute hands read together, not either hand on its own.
12:34
